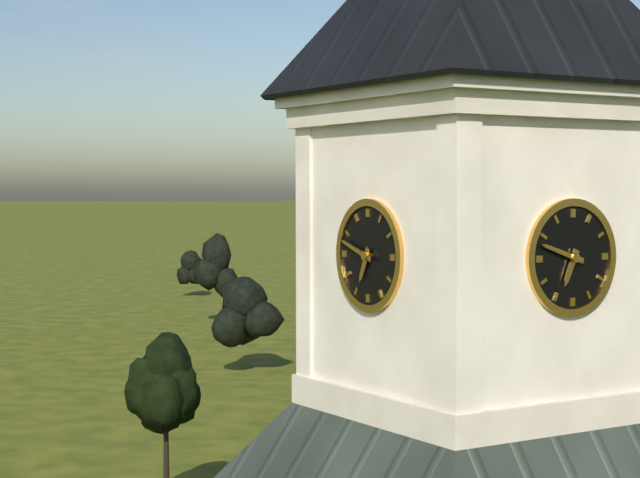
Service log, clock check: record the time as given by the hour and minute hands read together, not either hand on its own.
6:48
